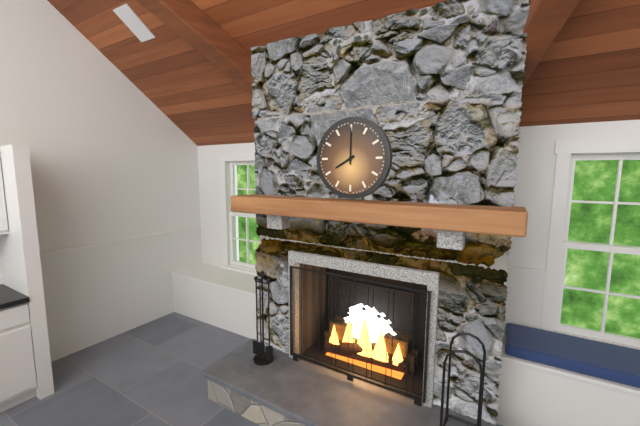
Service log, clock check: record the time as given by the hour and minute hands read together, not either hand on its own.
8:00
